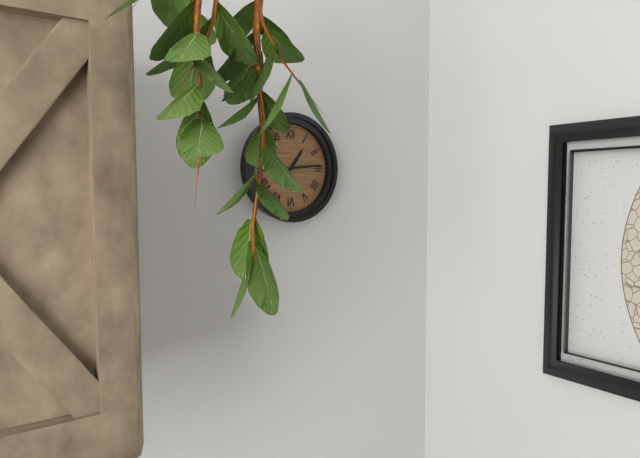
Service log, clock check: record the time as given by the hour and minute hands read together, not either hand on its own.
1:14
